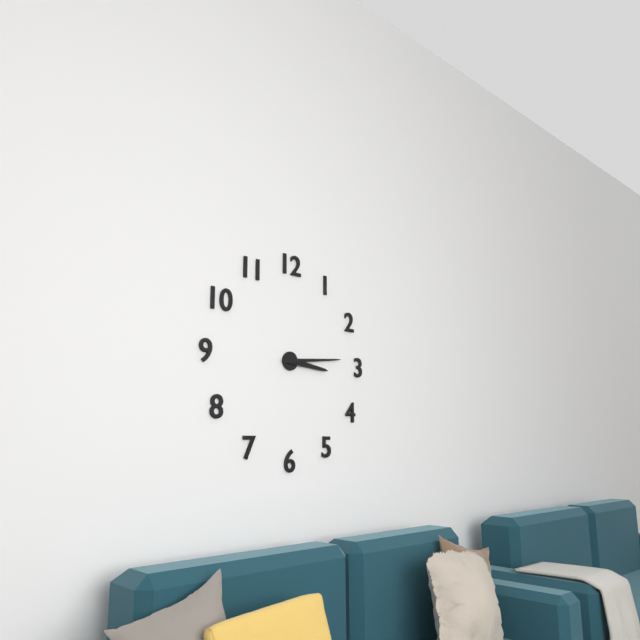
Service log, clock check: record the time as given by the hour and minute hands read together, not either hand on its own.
3:14
